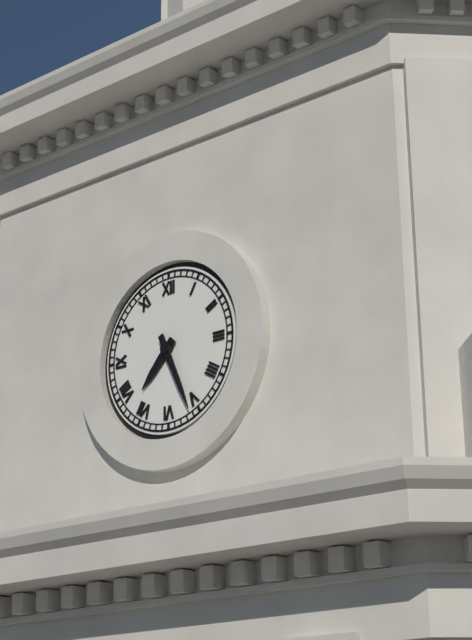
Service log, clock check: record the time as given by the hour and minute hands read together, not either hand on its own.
7:26
